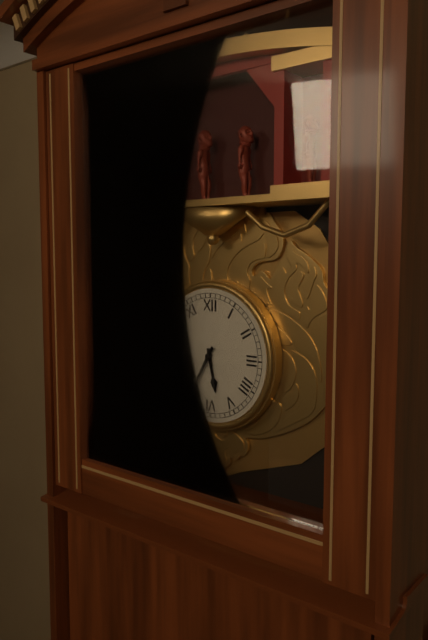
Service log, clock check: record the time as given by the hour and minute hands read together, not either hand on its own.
5:35
